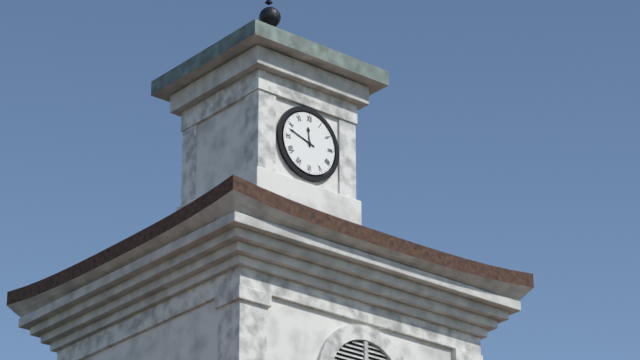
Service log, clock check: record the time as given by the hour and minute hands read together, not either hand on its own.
11:48
